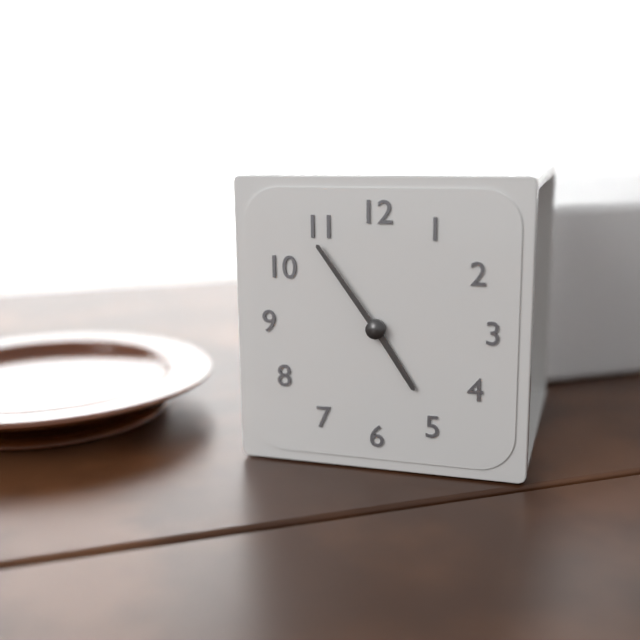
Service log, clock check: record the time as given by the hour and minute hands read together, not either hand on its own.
4:54
